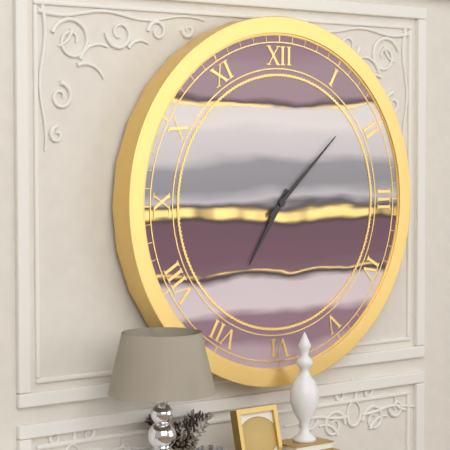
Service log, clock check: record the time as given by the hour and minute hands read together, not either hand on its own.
7:08
